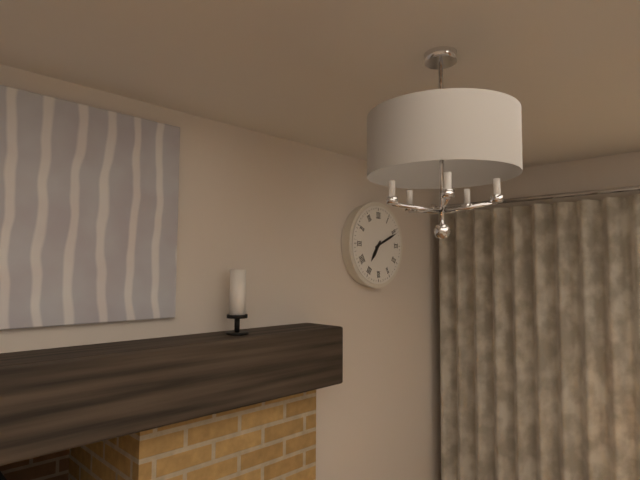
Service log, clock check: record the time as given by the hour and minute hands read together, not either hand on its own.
7:11
